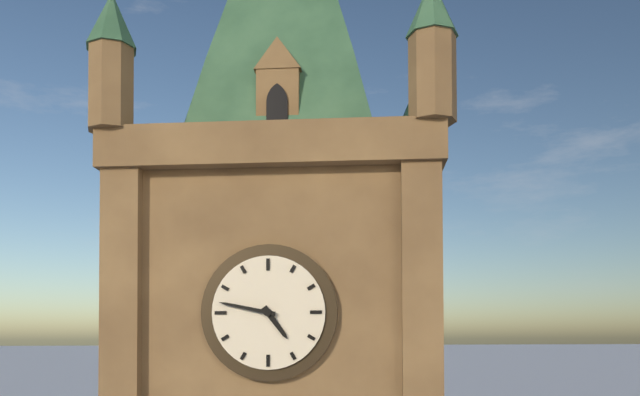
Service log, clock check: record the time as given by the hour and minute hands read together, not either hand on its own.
4:47
